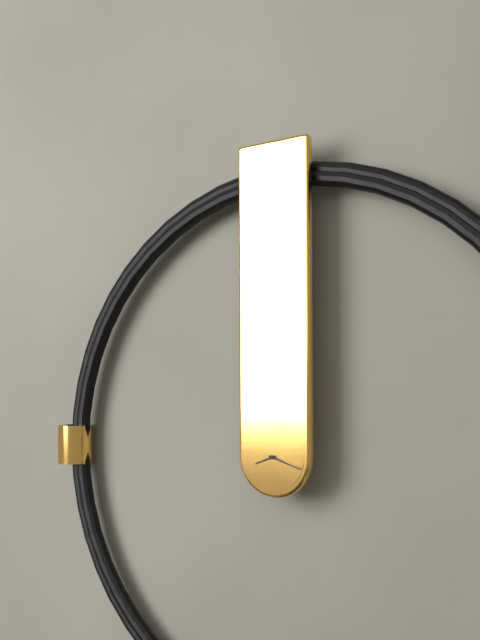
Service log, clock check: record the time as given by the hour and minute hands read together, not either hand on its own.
8:18
